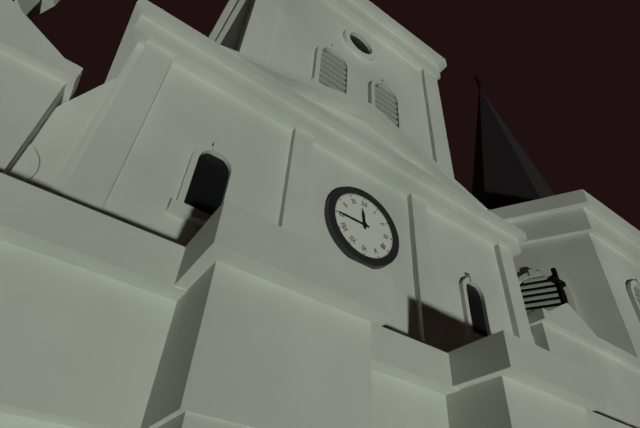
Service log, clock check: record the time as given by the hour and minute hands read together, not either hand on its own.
11:45
